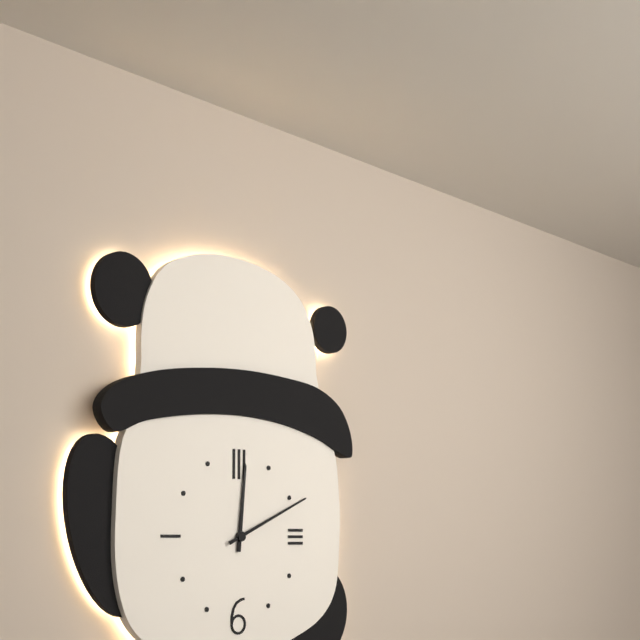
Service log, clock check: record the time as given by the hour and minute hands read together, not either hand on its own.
12:11
